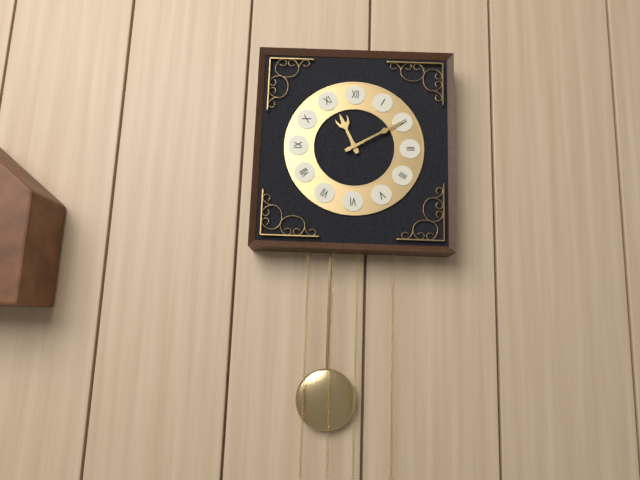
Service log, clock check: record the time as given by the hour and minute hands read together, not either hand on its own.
11:10
